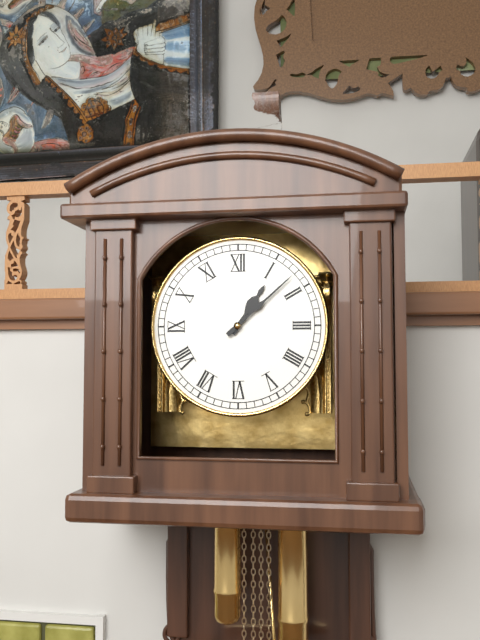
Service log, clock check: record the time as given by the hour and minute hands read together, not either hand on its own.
1:08
